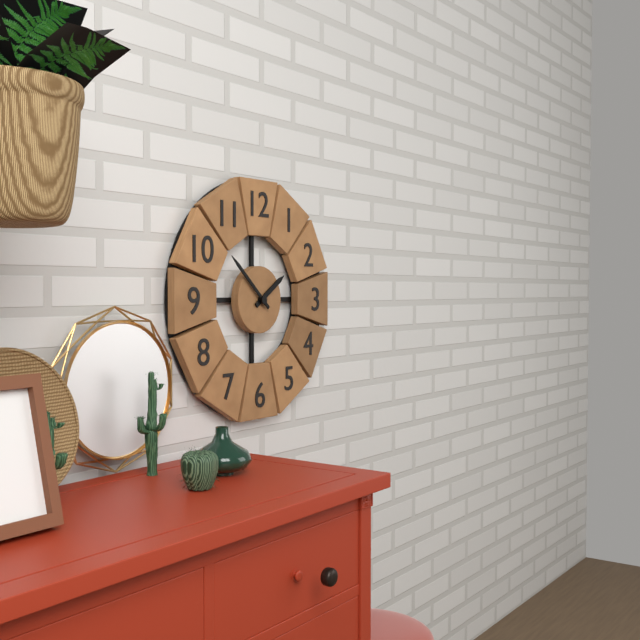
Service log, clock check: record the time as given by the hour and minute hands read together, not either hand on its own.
1:52
